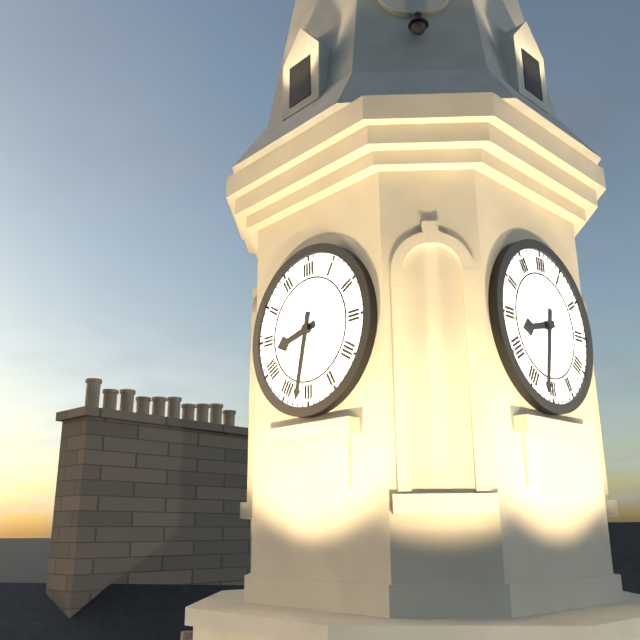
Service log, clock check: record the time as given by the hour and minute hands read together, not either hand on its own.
8:32
